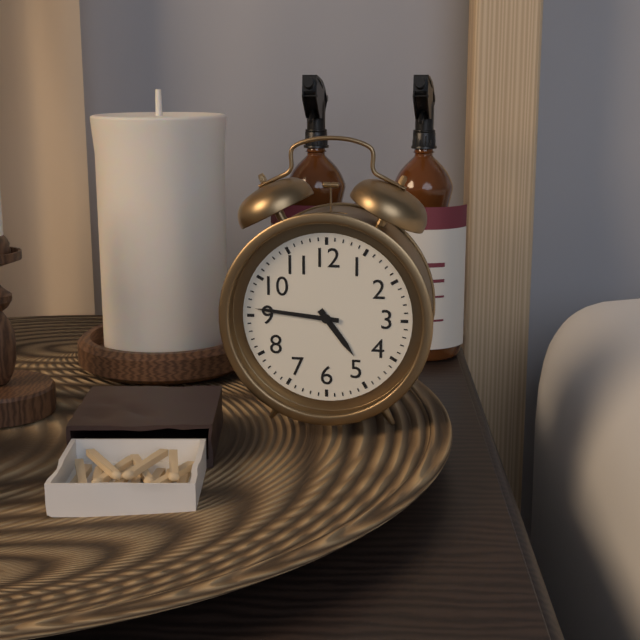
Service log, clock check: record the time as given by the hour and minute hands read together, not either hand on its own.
4:46
